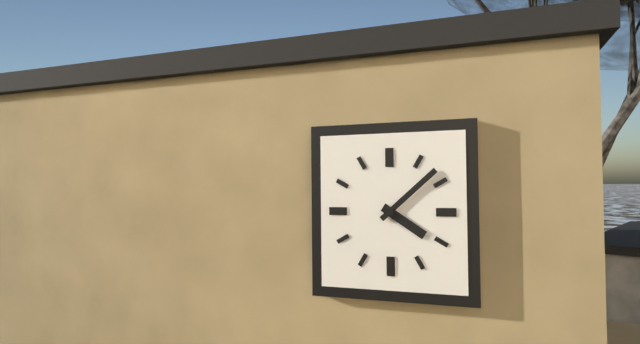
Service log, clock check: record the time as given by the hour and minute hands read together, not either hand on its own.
4:08
